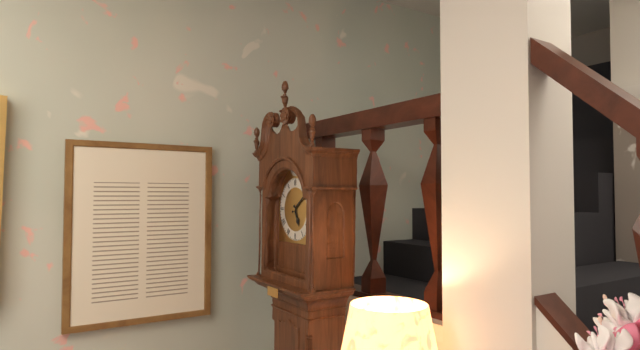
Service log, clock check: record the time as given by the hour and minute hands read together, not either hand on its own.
5:09
